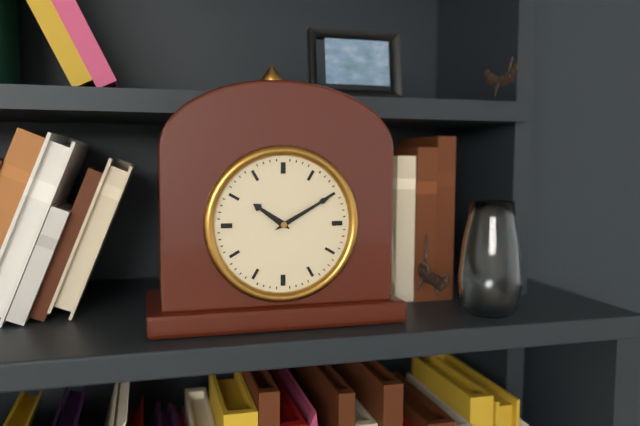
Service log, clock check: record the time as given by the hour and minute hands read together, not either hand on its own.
10:10
